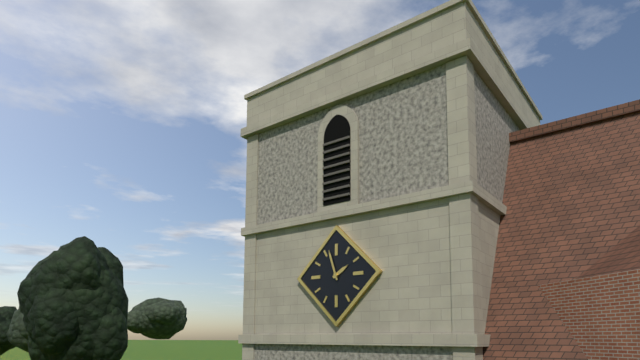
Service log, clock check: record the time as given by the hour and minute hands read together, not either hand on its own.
1:57
